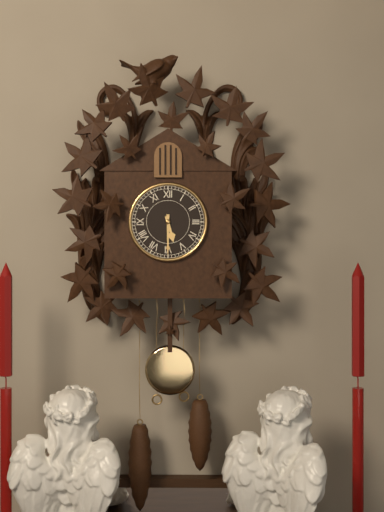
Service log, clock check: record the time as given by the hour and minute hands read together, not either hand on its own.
5:30
